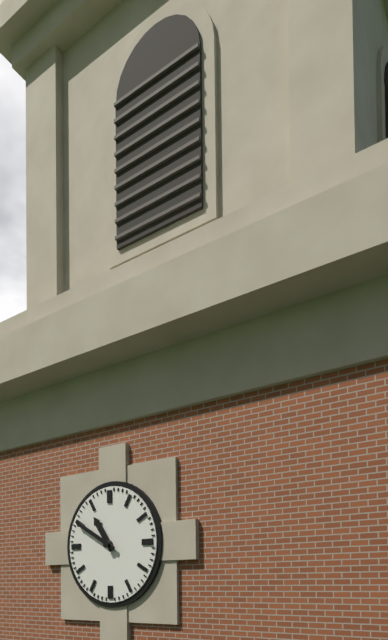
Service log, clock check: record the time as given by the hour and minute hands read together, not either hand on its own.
10:50
